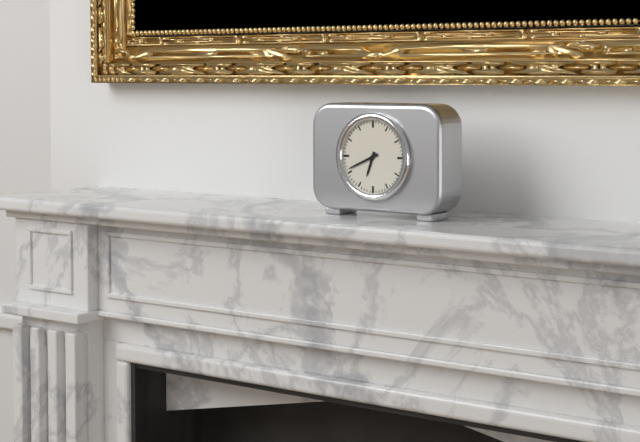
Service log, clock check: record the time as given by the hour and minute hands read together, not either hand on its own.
6:41
